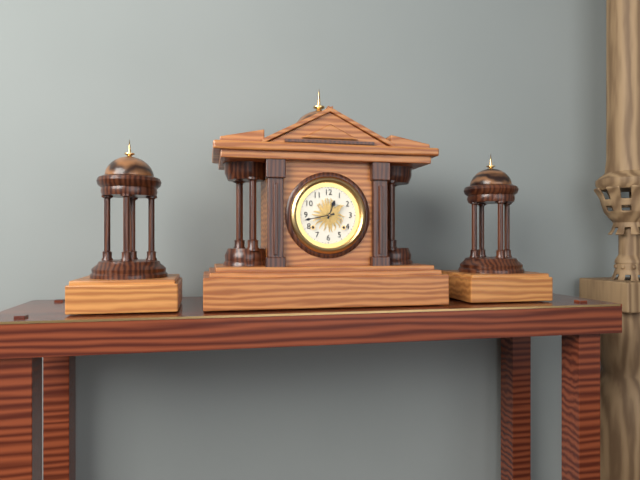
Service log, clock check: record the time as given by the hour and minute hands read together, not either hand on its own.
12:43
